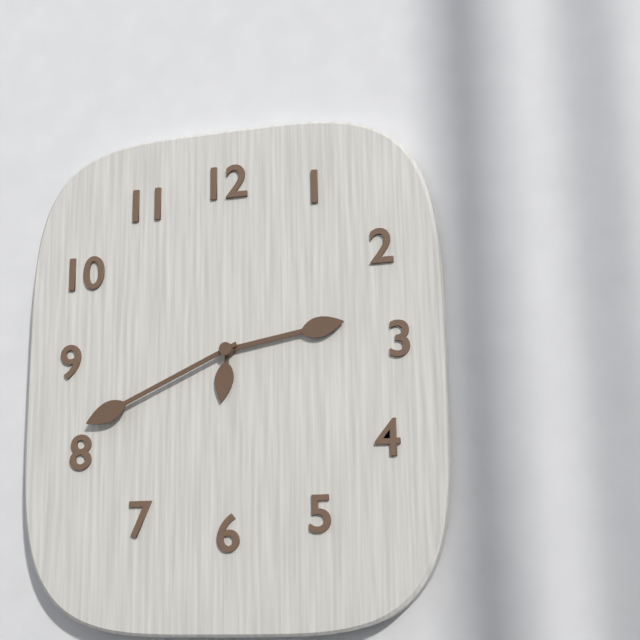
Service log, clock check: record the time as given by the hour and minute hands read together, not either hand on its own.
2:41
